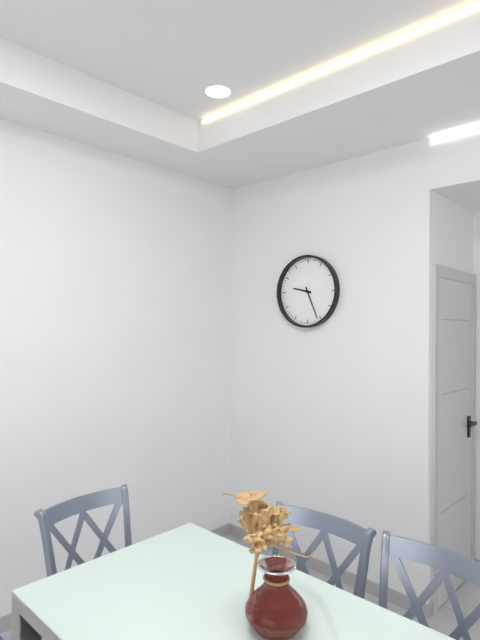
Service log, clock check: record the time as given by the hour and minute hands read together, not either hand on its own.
9:26
